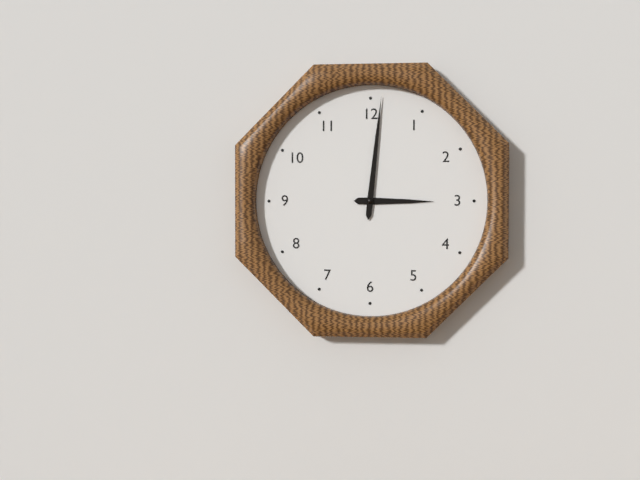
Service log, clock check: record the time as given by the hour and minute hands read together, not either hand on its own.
3:01
